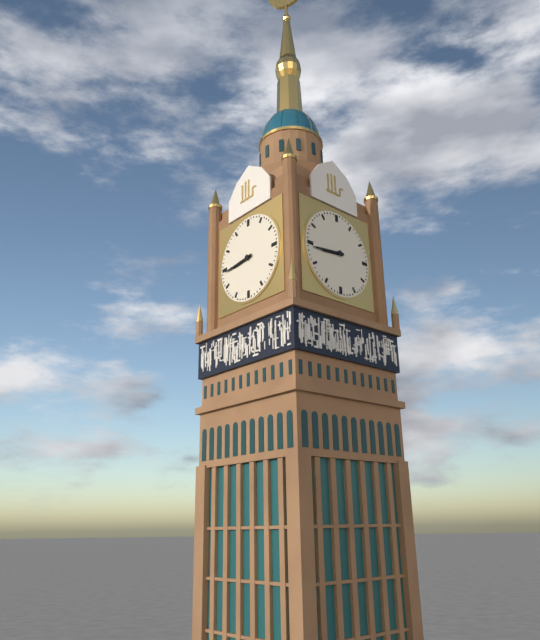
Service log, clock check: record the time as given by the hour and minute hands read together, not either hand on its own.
8:44
